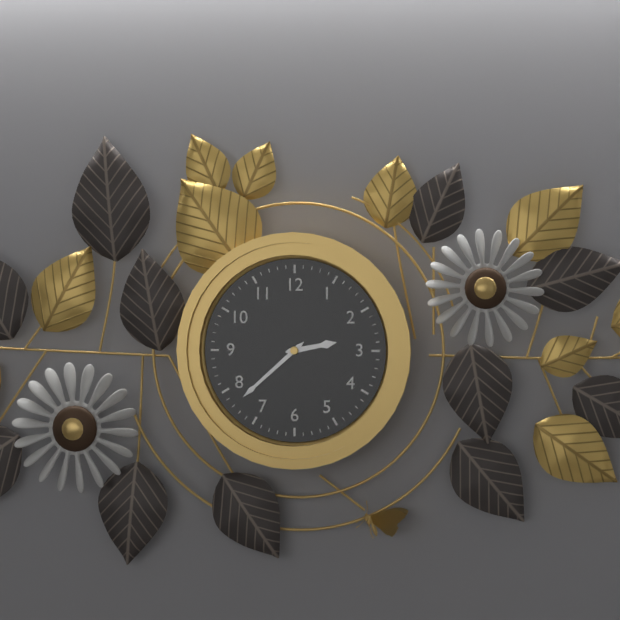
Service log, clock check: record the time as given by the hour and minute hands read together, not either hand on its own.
2:38
